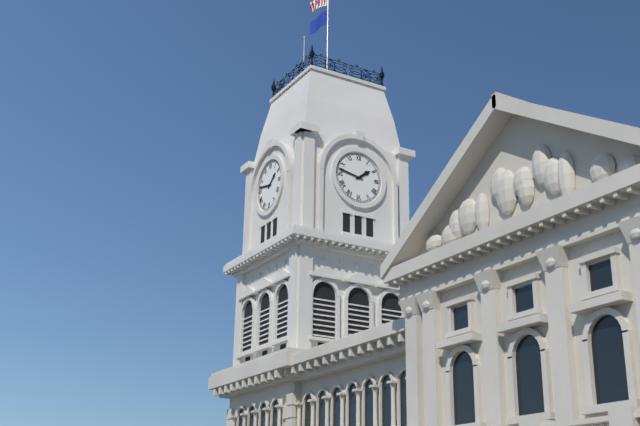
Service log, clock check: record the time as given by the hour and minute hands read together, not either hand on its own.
1:47
